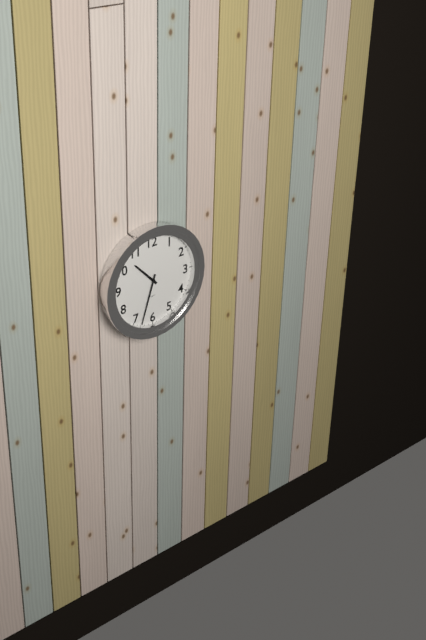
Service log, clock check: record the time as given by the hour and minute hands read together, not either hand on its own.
10:33
